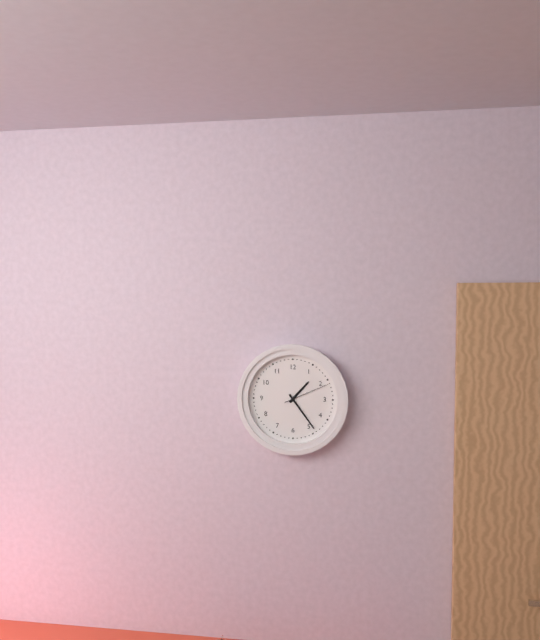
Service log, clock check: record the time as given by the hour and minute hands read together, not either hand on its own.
1:24
